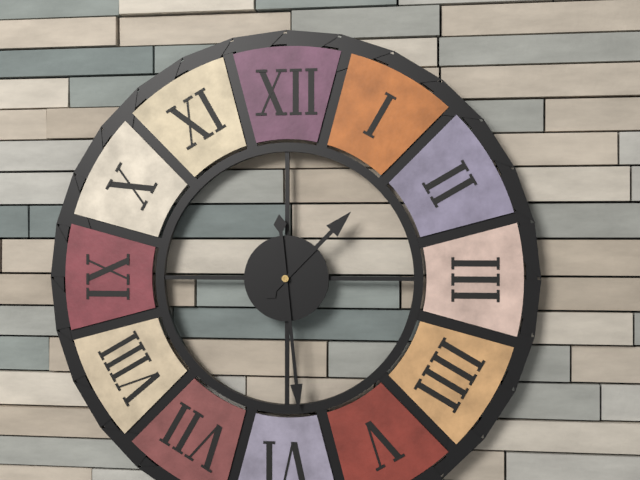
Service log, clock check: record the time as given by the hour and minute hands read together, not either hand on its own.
1:29
